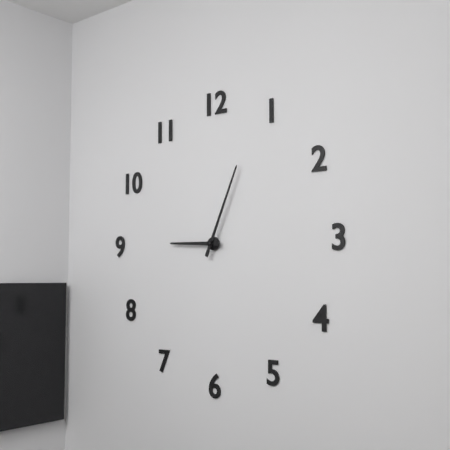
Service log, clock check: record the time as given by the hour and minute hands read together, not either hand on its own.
9:04
